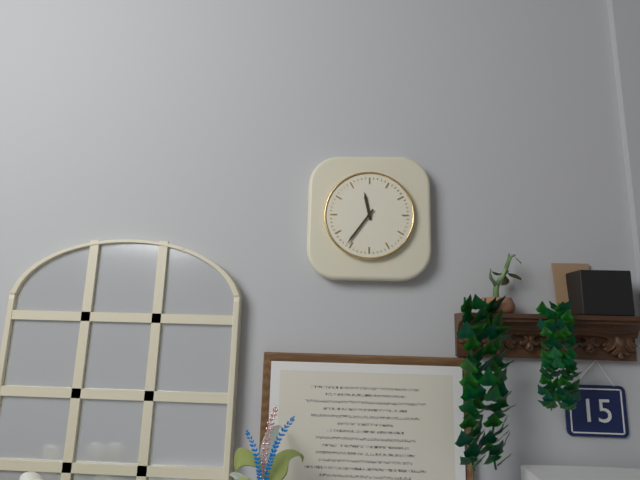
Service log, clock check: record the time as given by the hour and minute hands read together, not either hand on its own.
11:36
